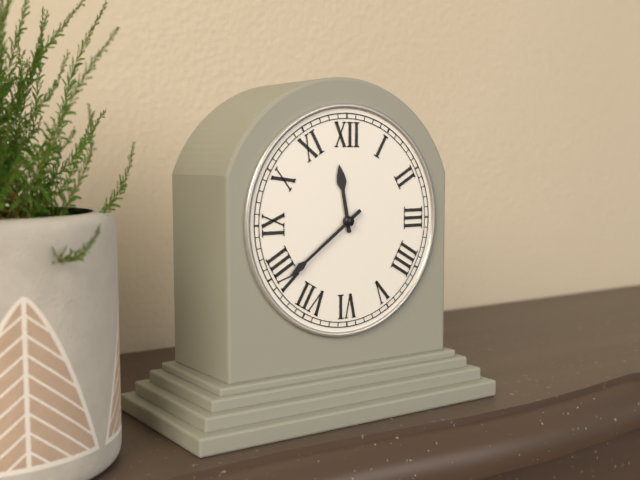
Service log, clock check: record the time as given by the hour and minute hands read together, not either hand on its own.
11:39
